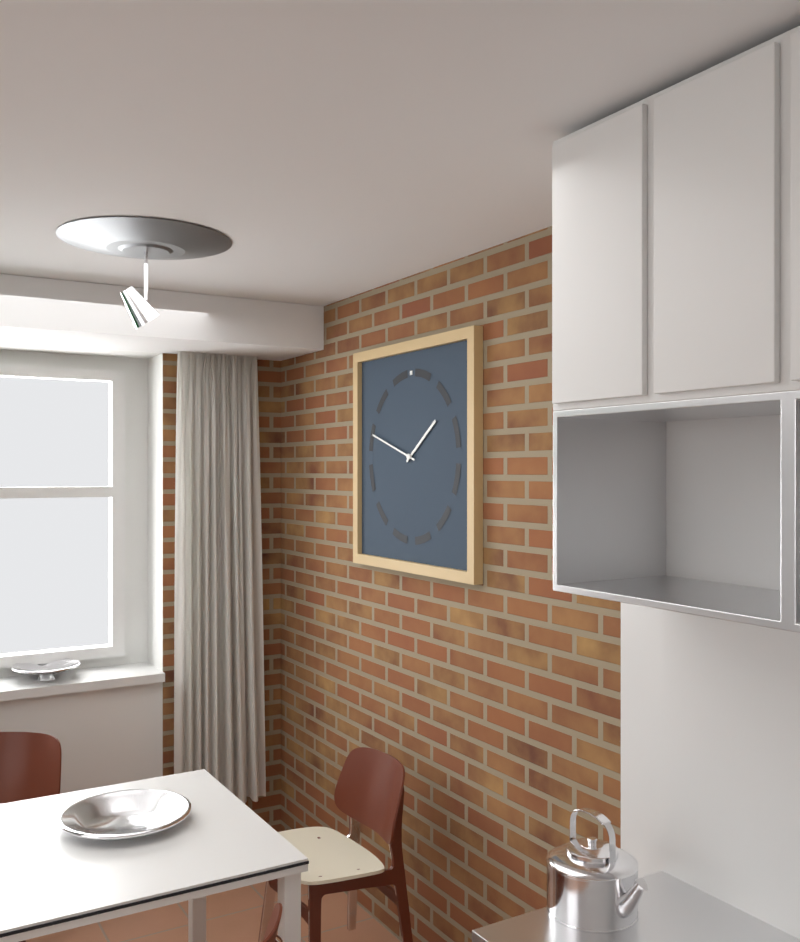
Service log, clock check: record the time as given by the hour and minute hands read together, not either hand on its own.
1:48
